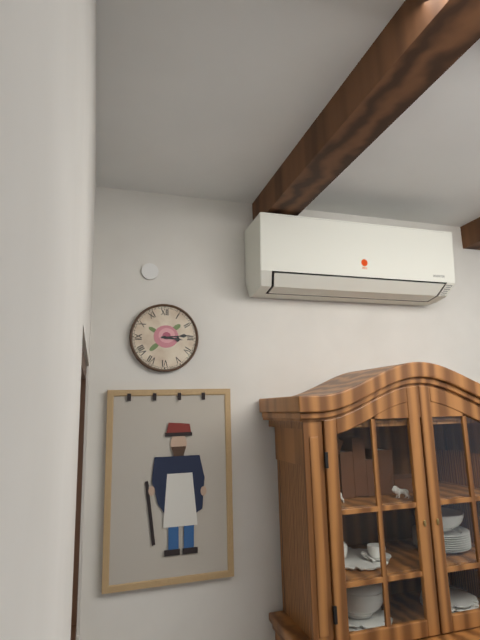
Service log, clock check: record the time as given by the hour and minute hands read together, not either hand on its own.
3:14
